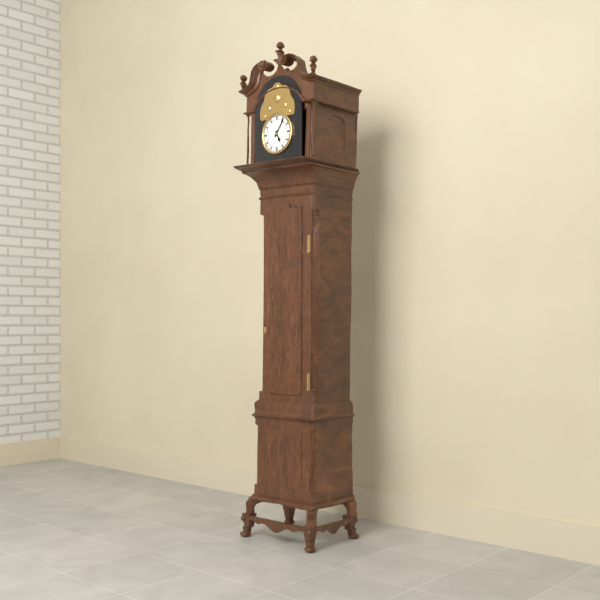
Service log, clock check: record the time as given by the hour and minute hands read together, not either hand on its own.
5:06
